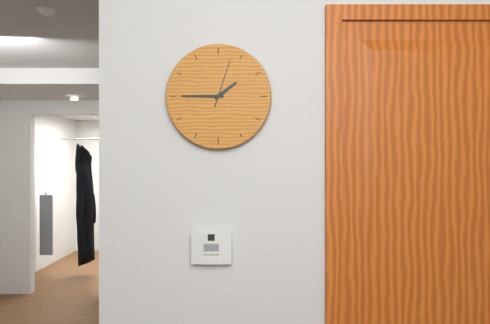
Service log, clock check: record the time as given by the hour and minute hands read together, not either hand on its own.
1:45
